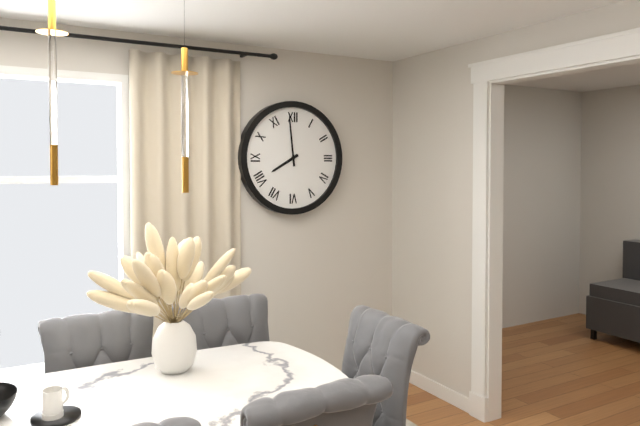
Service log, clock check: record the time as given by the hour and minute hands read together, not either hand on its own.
7:59
